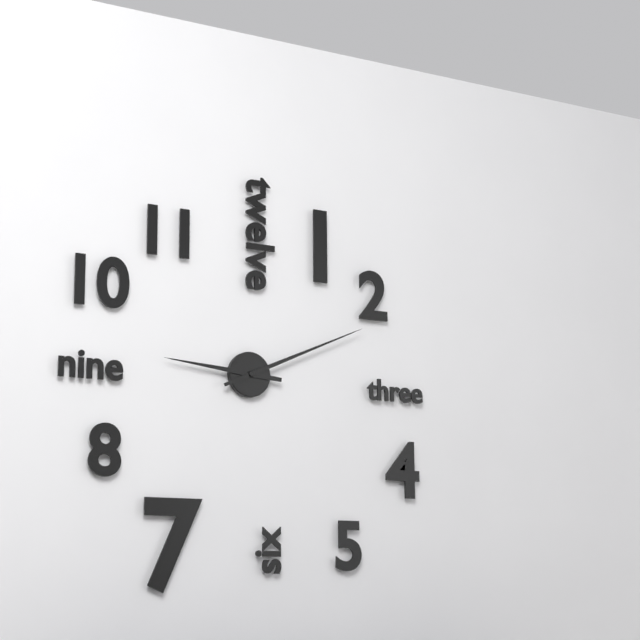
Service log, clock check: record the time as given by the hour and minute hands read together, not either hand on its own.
9:11
